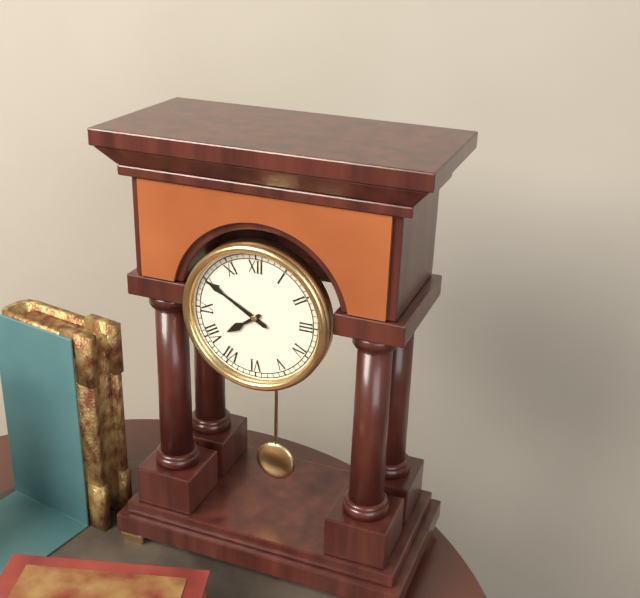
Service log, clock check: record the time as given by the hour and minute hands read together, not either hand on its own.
7:50
